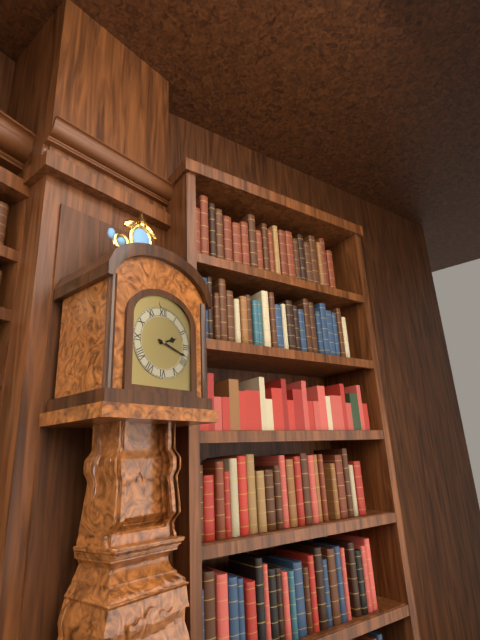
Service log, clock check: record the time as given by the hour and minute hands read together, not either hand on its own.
2:18
